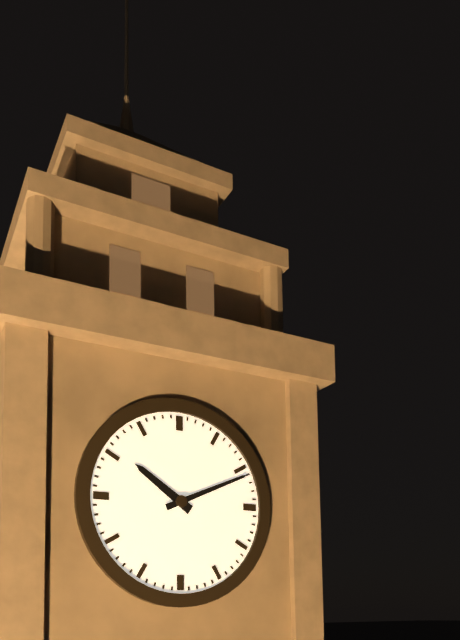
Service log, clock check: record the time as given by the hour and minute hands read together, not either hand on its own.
10:11
